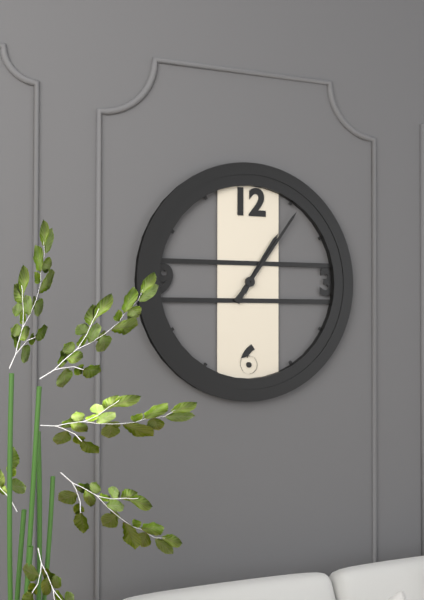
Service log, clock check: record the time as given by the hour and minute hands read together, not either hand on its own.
1:06
